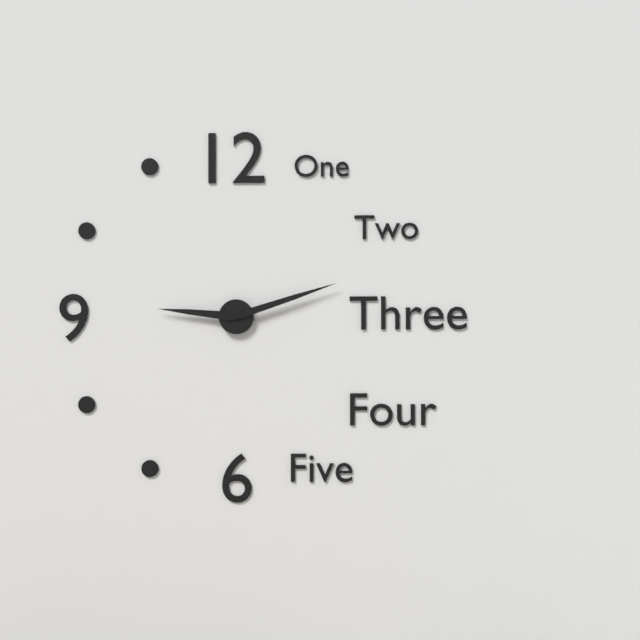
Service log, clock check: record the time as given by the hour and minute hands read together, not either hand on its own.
9:12
